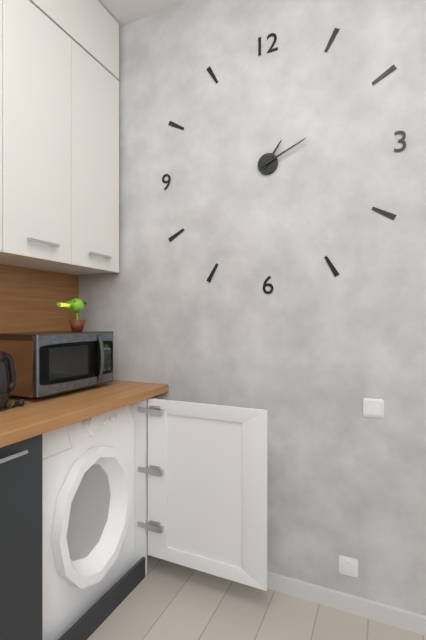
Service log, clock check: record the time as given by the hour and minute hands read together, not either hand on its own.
1:11
